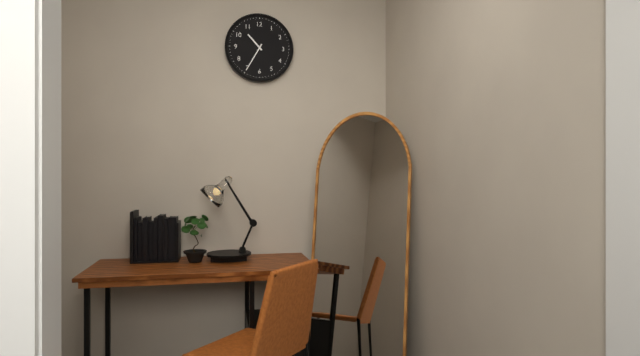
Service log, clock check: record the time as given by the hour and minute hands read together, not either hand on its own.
10:35
